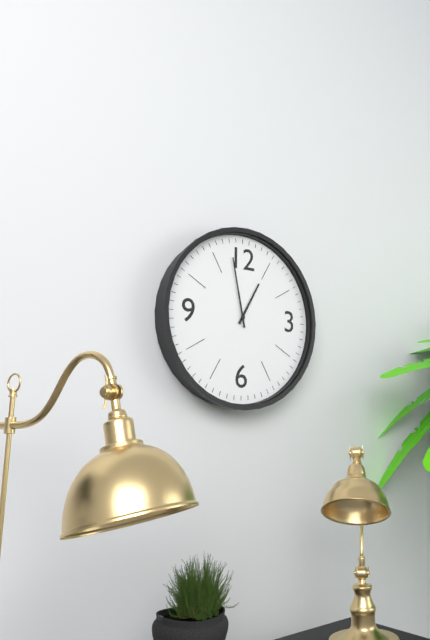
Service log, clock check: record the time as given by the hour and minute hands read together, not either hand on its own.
12:58
